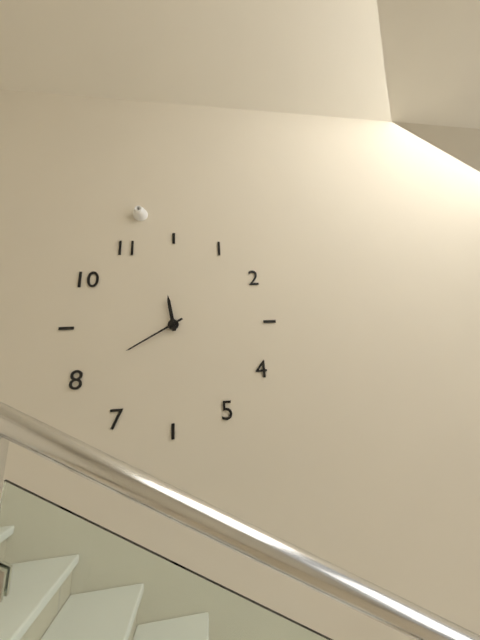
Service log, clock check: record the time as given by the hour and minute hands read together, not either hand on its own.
11:40
